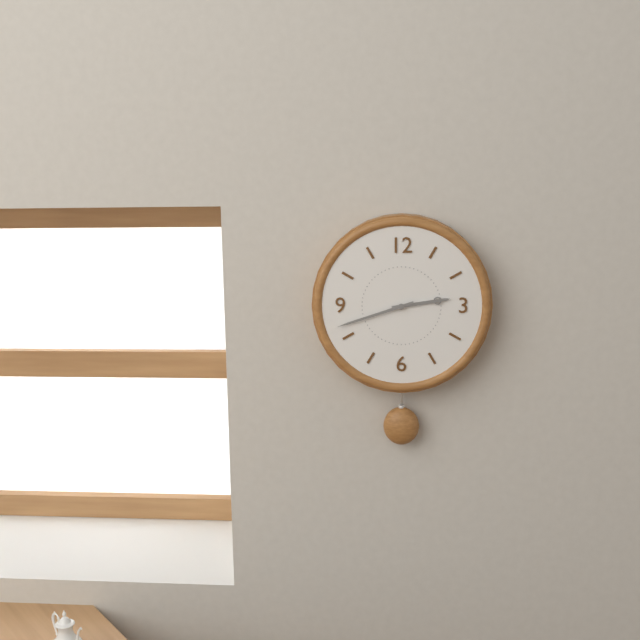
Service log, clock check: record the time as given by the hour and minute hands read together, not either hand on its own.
2:42
